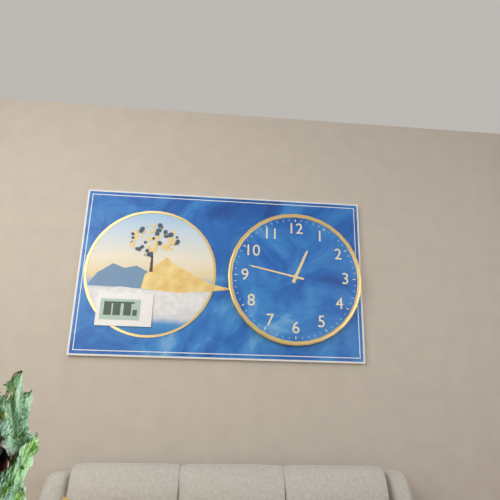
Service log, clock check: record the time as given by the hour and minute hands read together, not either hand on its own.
12:47
